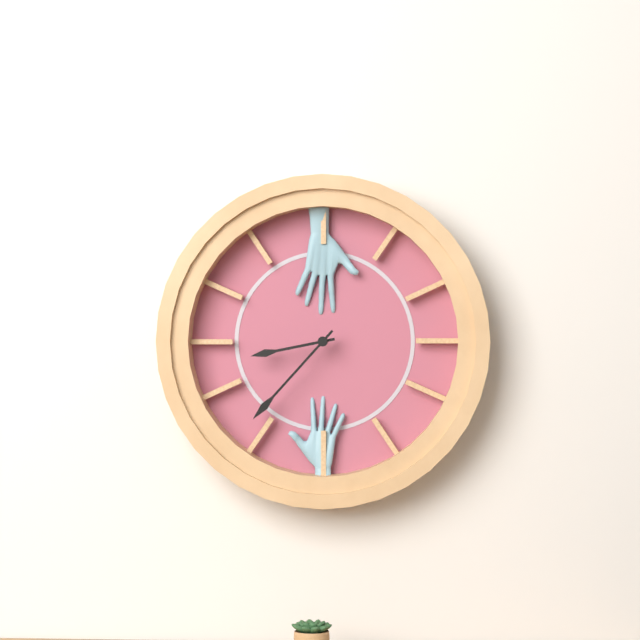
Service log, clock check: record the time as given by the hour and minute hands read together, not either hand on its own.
8:37
